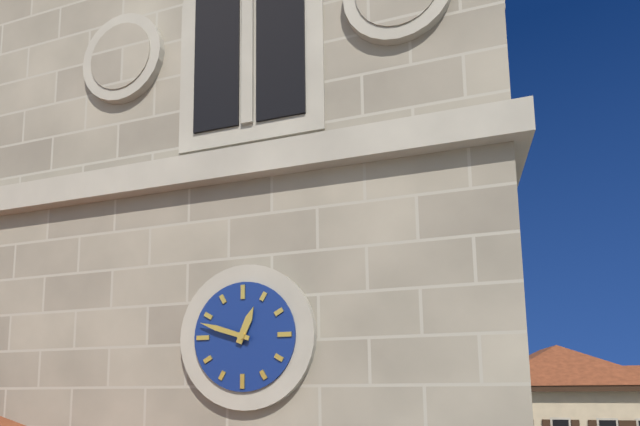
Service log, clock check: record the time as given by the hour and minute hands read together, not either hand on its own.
12:48
